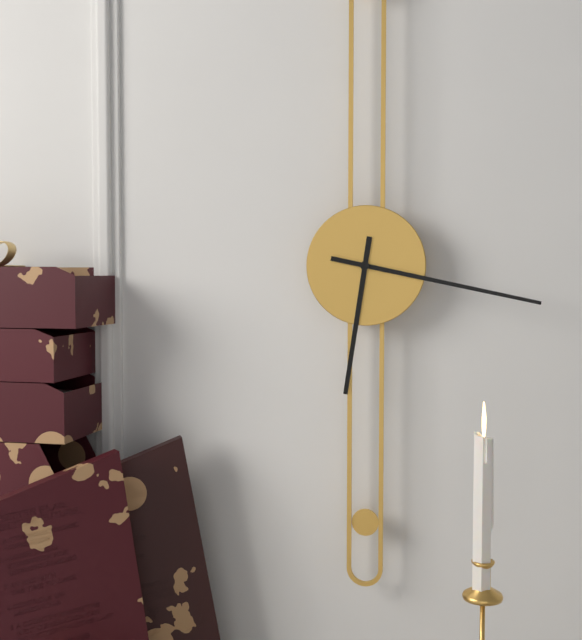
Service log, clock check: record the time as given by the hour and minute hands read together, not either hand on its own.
6:17
